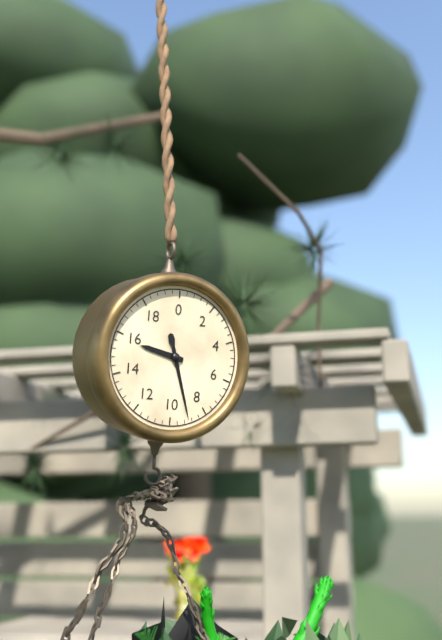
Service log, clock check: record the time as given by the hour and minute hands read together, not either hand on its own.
9:27
